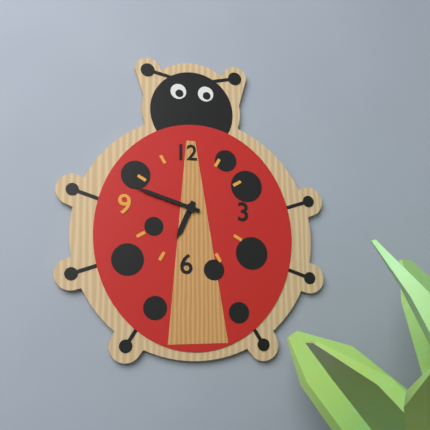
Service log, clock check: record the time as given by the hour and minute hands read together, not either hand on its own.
6:48
